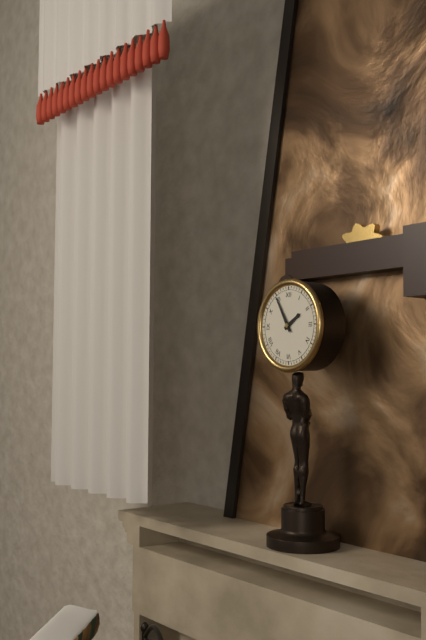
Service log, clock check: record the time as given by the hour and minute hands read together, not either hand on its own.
1:55
